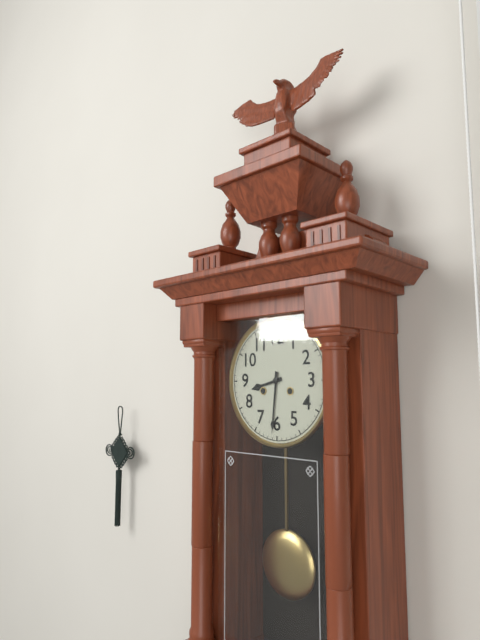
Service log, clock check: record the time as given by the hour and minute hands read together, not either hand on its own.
8:31
